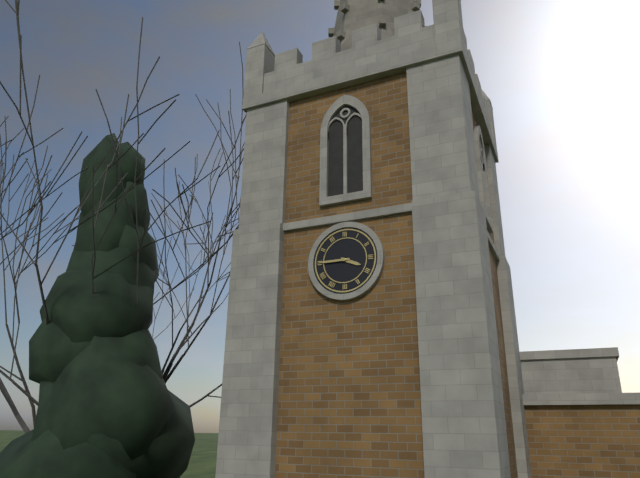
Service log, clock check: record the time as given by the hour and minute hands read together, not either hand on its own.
3:45
